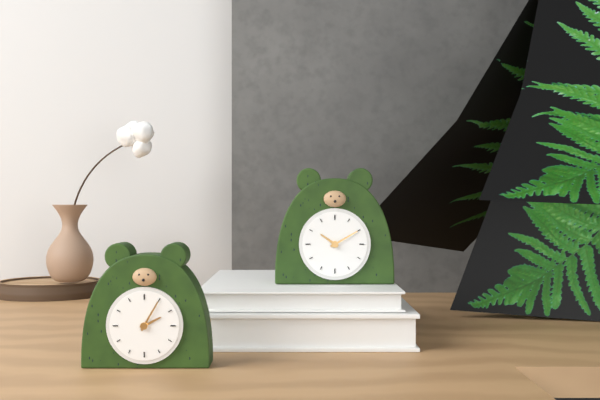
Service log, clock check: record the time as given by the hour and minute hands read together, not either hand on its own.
2:05
